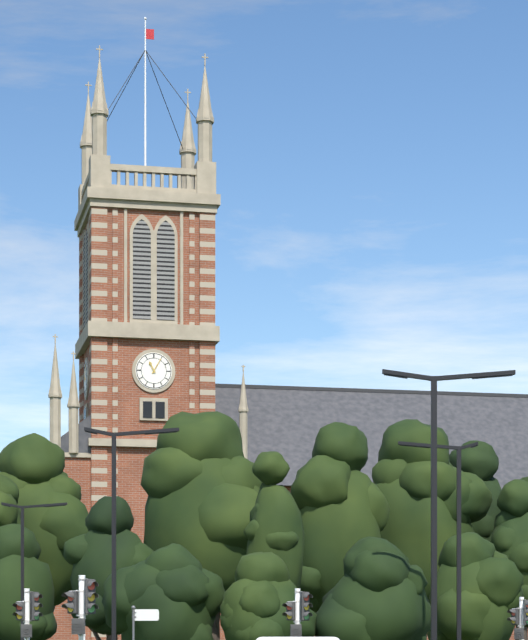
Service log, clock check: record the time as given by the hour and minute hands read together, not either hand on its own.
11:05
